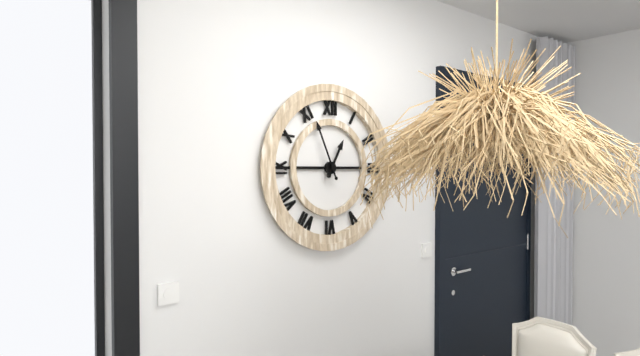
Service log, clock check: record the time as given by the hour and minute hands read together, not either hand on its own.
12:56
